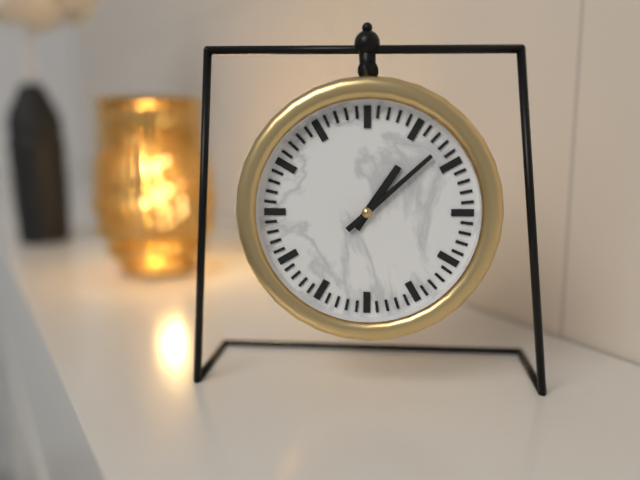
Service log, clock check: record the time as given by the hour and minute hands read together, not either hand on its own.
1:08
